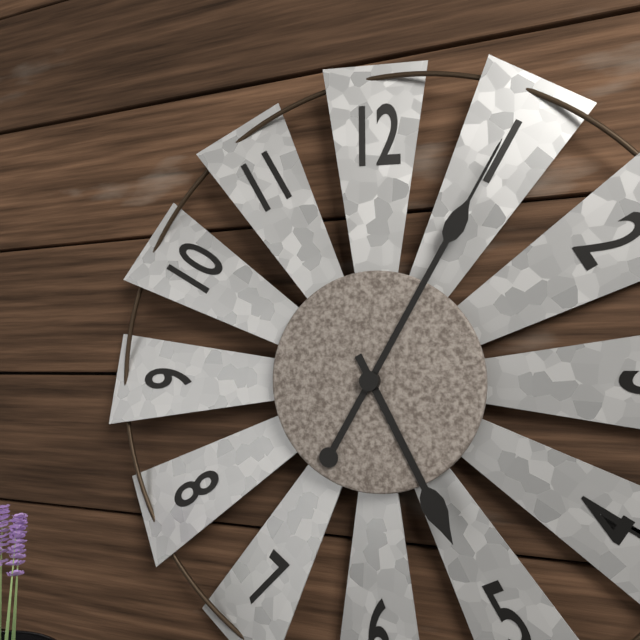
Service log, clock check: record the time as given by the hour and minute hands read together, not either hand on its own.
5:05
